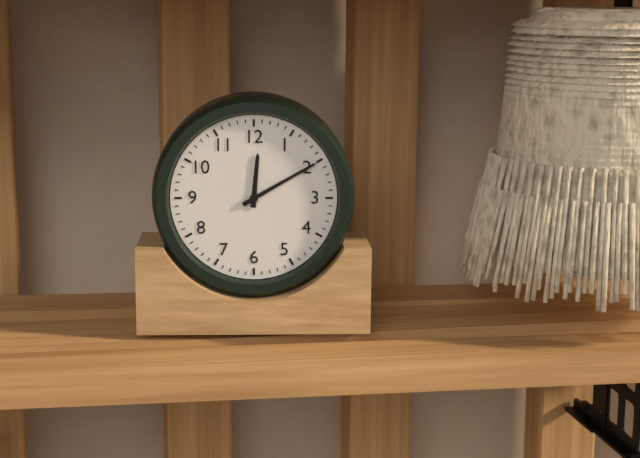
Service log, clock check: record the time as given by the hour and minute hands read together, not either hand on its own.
12:10
